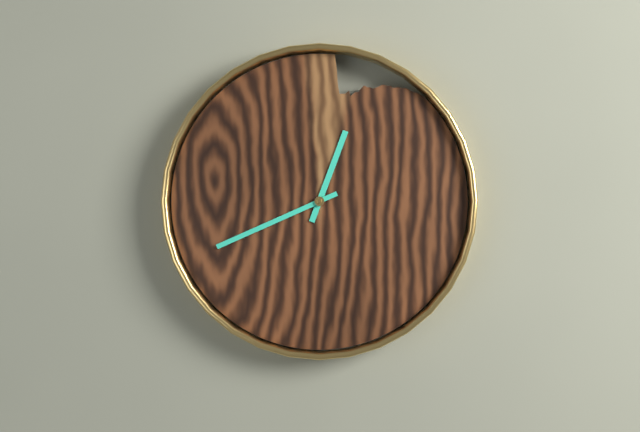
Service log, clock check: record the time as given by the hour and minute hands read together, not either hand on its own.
12:41
